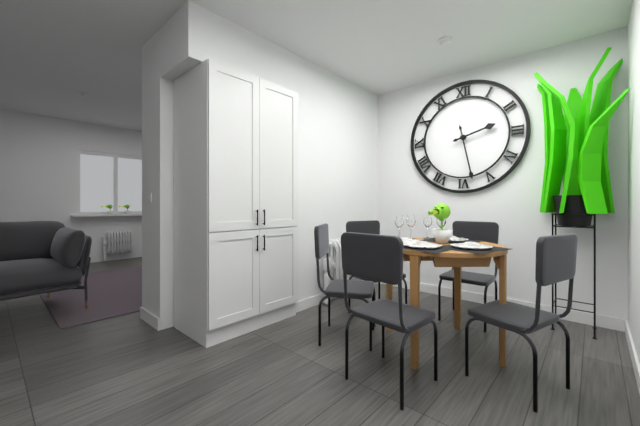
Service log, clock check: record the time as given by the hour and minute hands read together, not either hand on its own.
2:28
